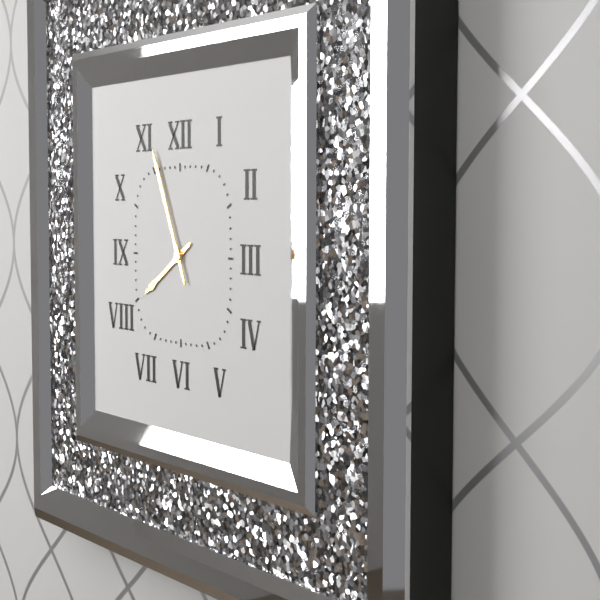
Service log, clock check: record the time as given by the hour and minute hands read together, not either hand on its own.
7:56
